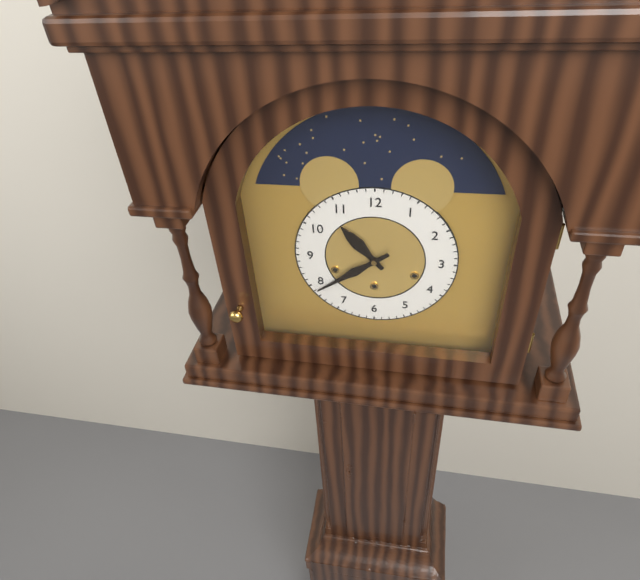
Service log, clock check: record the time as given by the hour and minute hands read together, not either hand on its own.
10:39
